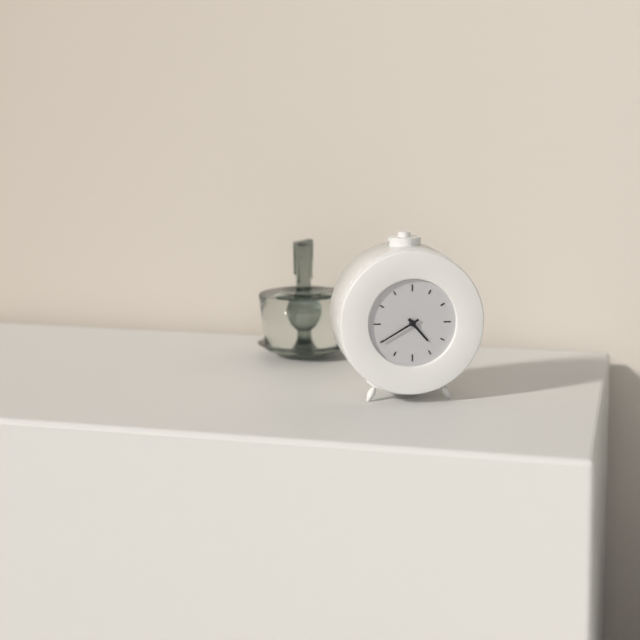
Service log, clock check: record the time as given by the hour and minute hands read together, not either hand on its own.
4:40
